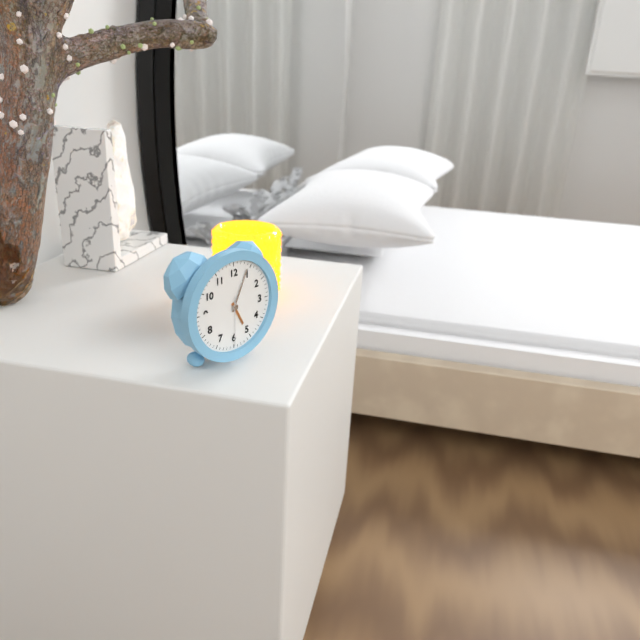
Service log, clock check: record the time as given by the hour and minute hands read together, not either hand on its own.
5:04
